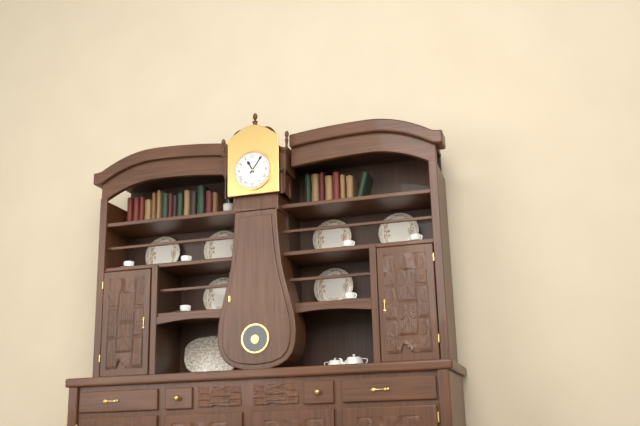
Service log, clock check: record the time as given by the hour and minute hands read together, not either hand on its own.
11:06
